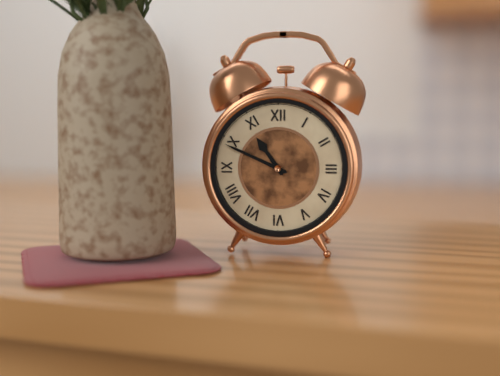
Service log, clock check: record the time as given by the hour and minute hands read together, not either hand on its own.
10:49
